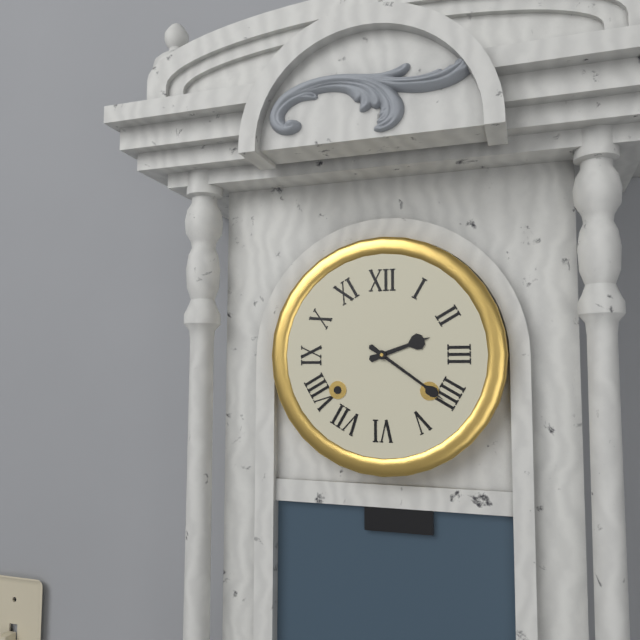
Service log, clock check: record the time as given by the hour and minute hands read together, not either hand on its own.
2:21
